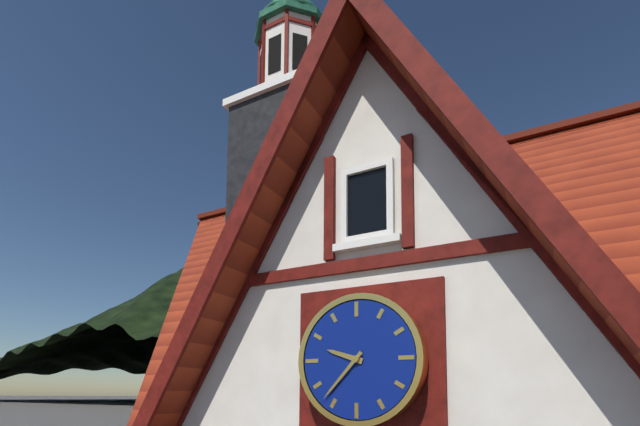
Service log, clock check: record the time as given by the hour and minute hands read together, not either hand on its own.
9:37
